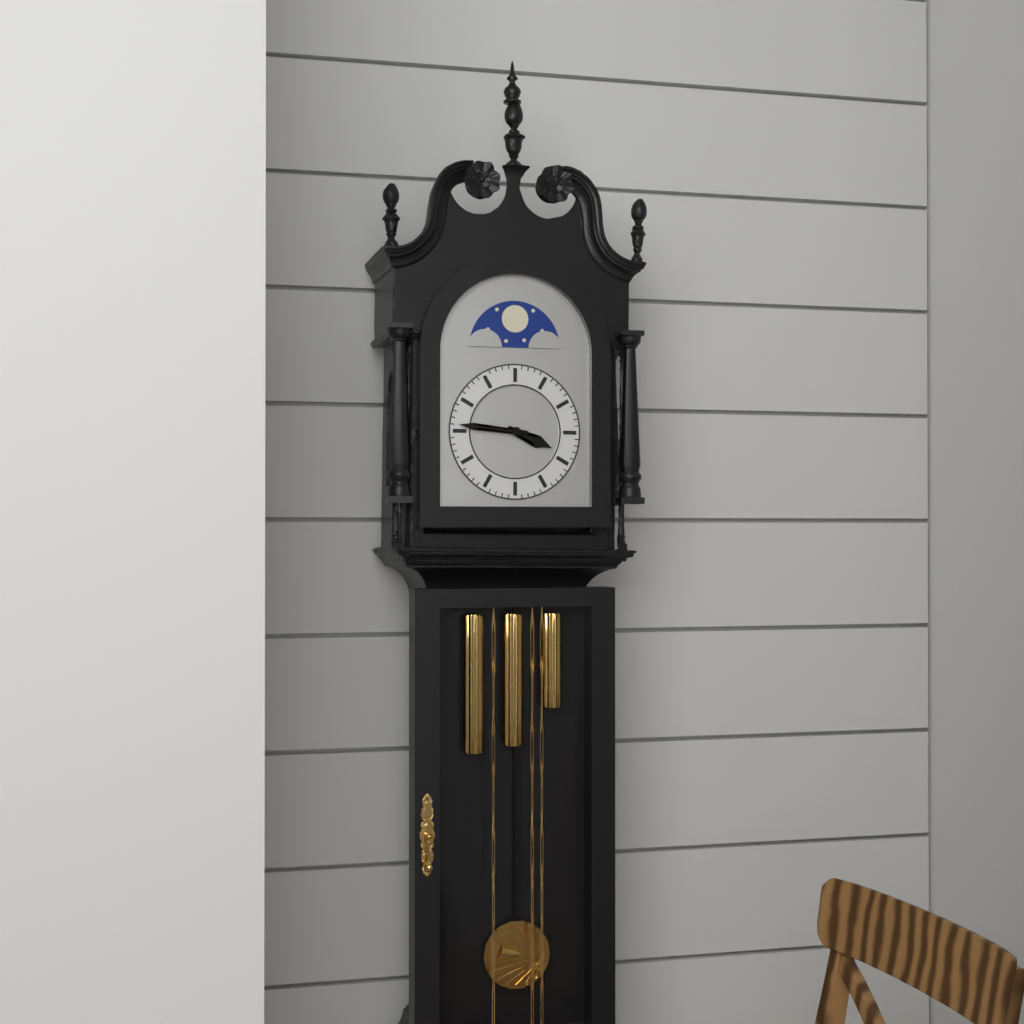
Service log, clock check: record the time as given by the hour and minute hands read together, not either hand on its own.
3:46
